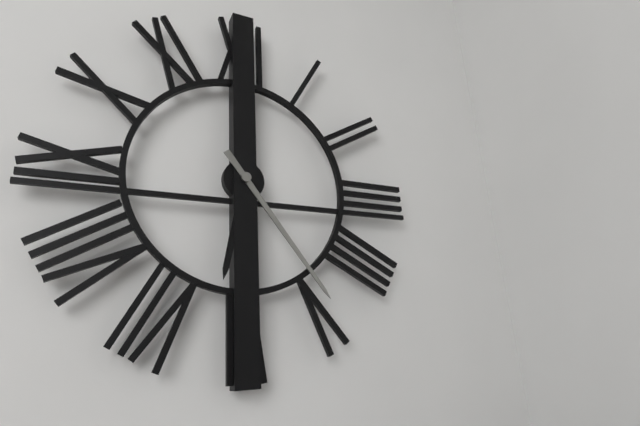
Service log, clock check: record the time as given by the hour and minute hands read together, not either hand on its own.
6:24
